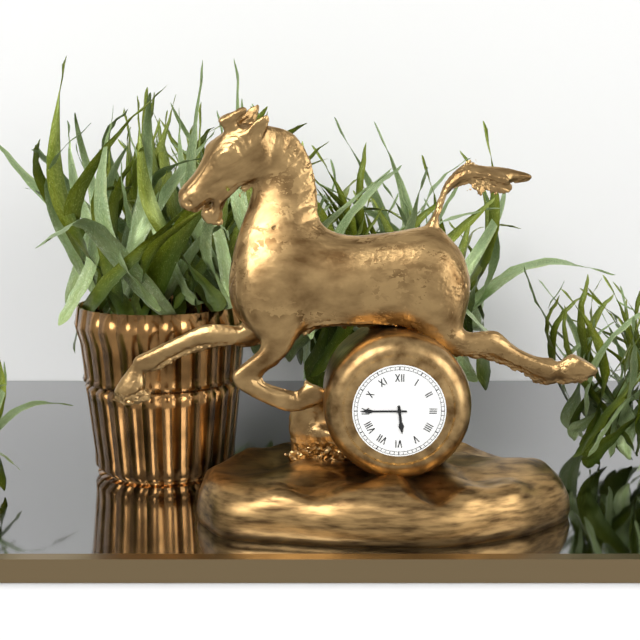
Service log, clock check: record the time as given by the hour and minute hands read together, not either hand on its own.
5:45
